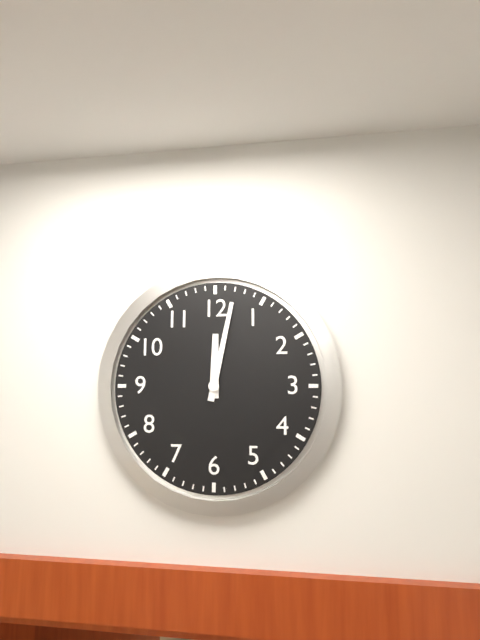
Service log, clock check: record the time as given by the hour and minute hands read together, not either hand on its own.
12:02
